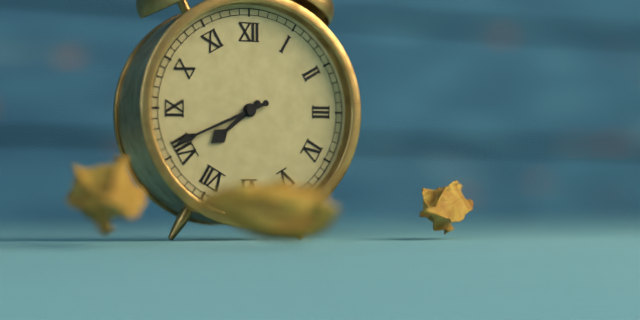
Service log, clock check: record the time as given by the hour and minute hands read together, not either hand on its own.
7:41
